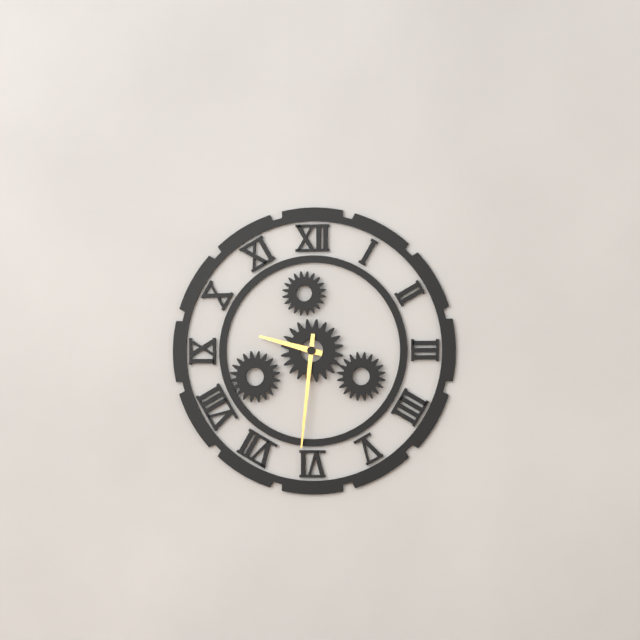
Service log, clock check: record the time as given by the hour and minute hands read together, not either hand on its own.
9:31
